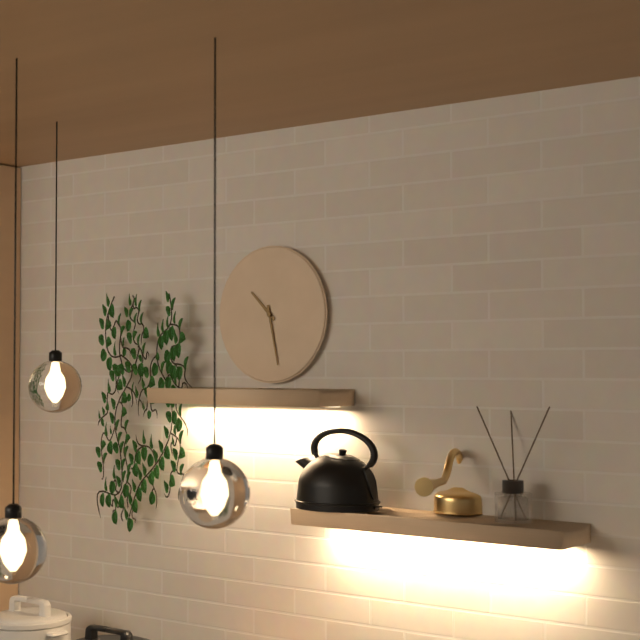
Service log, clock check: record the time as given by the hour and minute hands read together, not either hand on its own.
10:28
